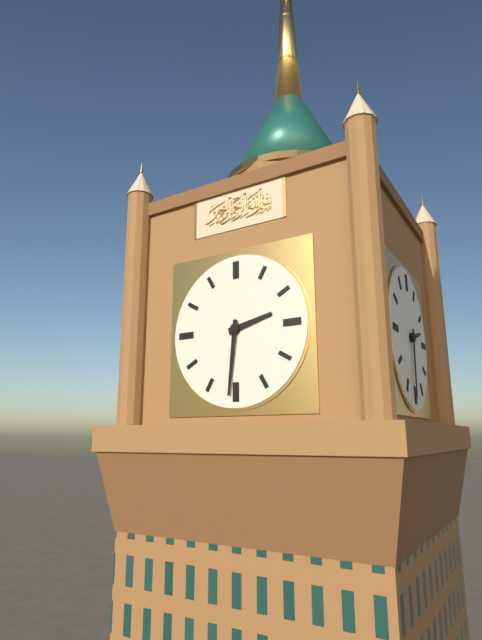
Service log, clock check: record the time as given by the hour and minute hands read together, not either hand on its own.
2:31
